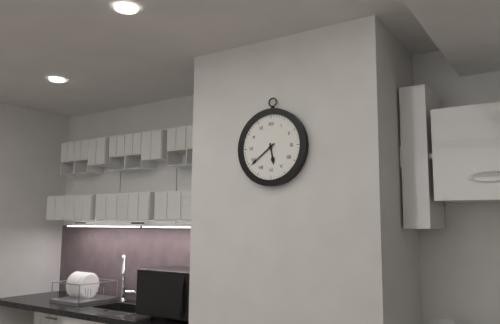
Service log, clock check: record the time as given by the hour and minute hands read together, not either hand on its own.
5:39
